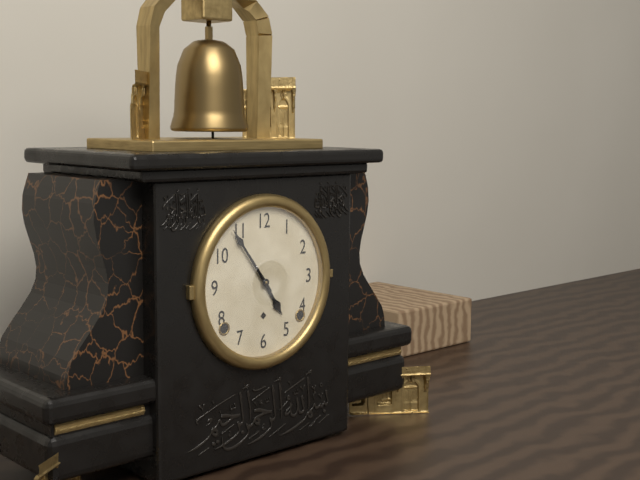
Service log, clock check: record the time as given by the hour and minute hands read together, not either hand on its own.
4:54
